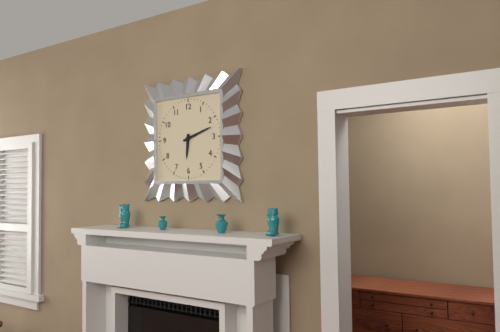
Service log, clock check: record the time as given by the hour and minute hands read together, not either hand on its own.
6:12
